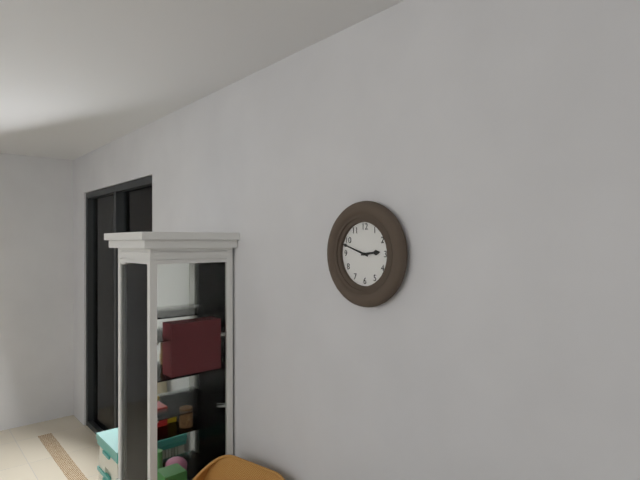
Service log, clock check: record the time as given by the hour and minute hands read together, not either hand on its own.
2:48
